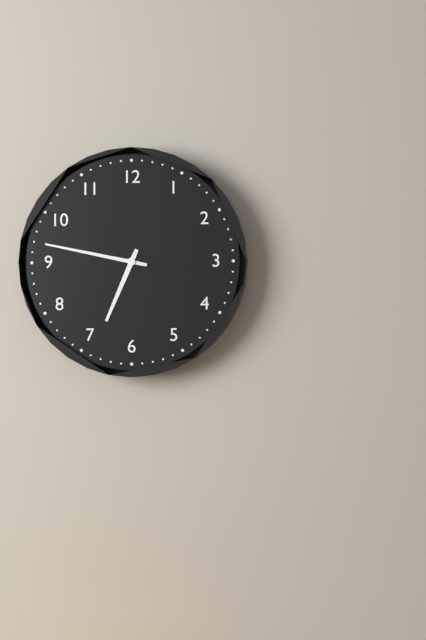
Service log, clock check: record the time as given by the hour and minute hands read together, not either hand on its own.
6:47
